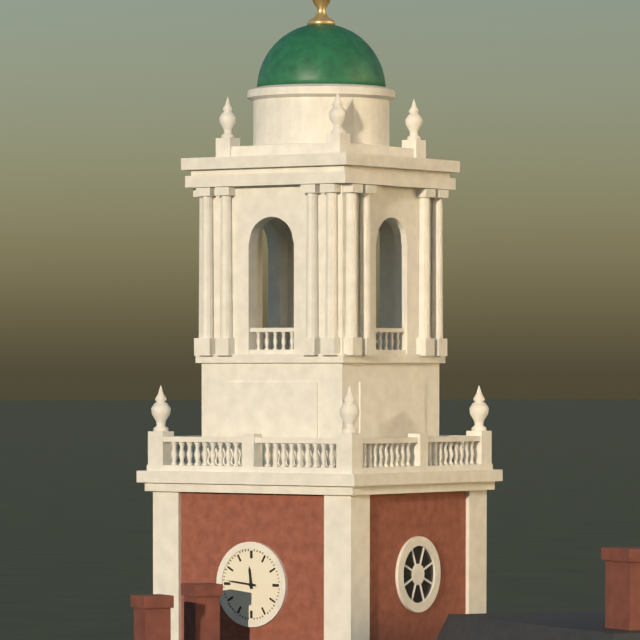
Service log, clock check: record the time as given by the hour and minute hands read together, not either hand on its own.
11:46
